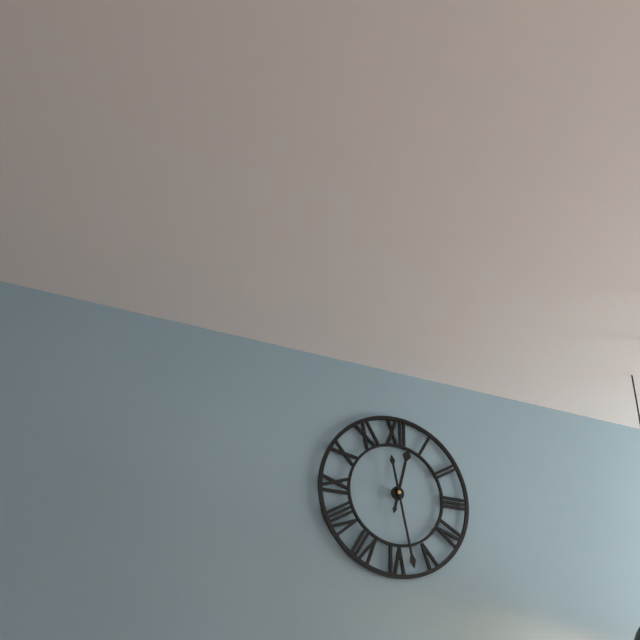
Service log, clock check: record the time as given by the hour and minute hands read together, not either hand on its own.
12:28
